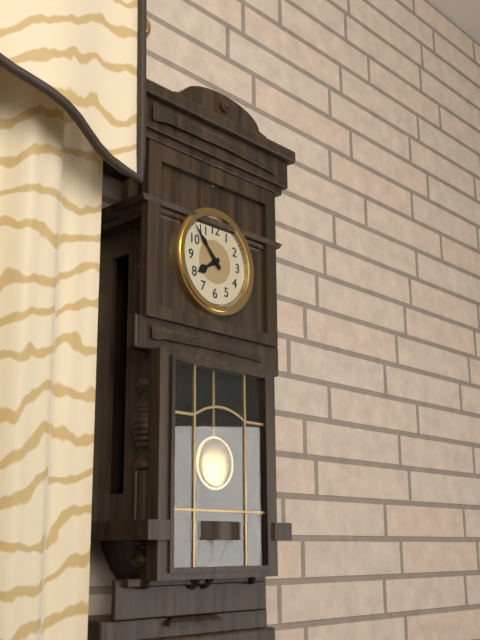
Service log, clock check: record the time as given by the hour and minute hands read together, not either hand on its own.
7:53
